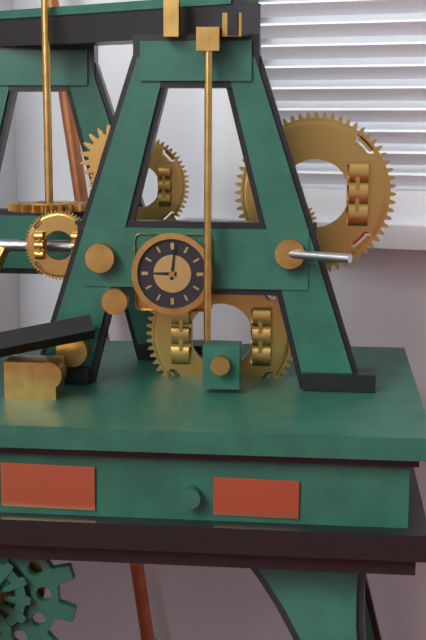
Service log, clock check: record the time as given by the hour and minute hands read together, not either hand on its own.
9:01
